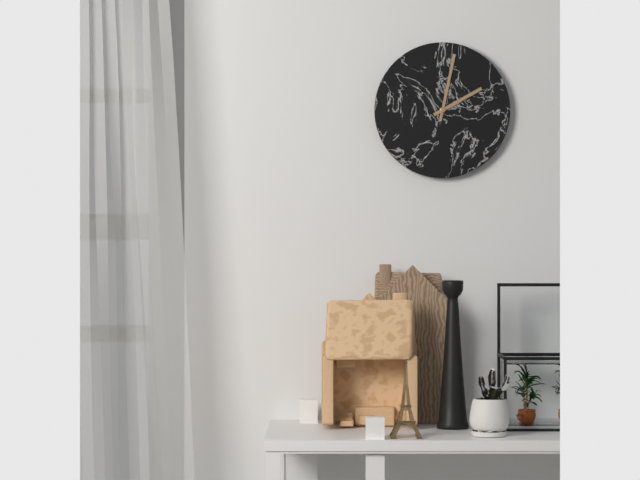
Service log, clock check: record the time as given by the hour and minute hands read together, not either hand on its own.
2:02
